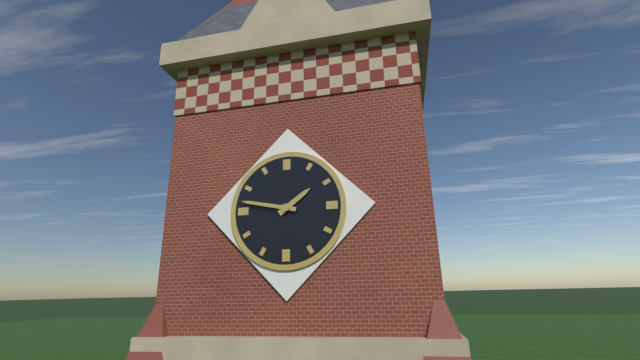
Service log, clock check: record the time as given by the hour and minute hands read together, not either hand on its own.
1:47
